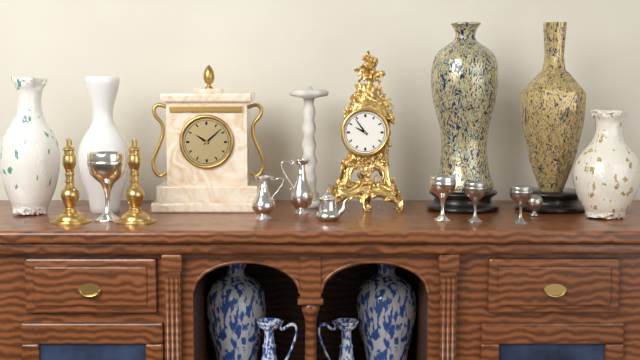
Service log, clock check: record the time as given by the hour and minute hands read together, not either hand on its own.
9:54
